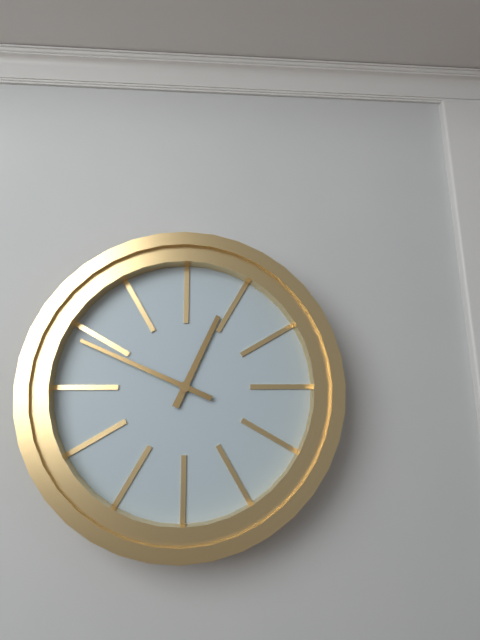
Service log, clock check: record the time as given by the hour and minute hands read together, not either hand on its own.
12:49
